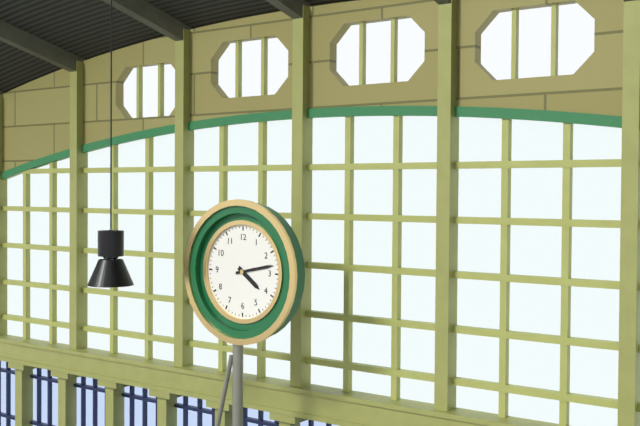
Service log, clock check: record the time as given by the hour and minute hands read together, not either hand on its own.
4:13
